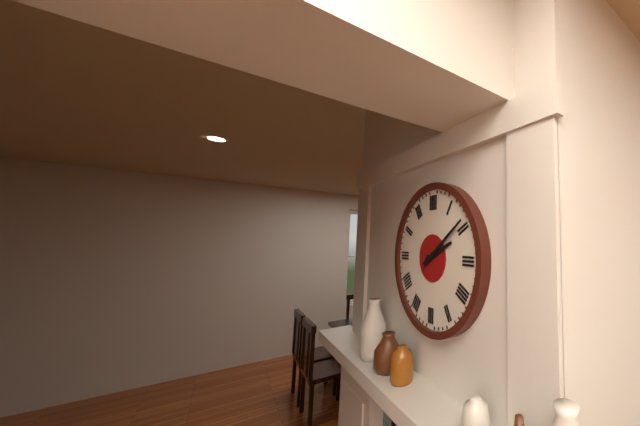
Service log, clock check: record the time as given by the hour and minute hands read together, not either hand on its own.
2:09
